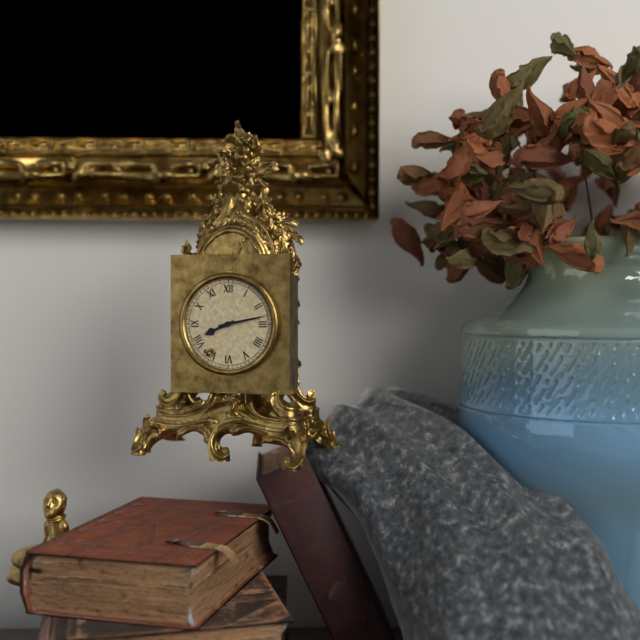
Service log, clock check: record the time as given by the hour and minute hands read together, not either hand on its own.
8:13
